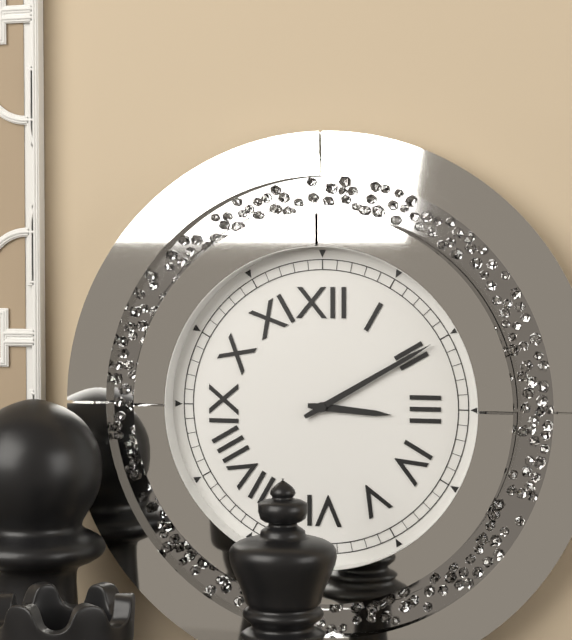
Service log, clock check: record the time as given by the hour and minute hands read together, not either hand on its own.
3:10
